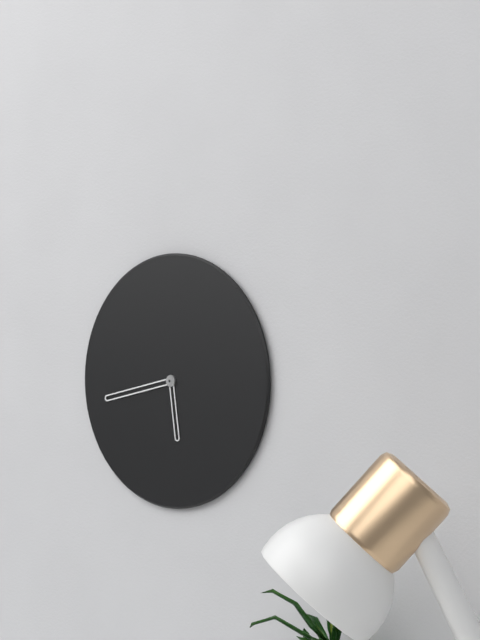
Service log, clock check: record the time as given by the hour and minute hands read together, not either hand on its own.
5:43
